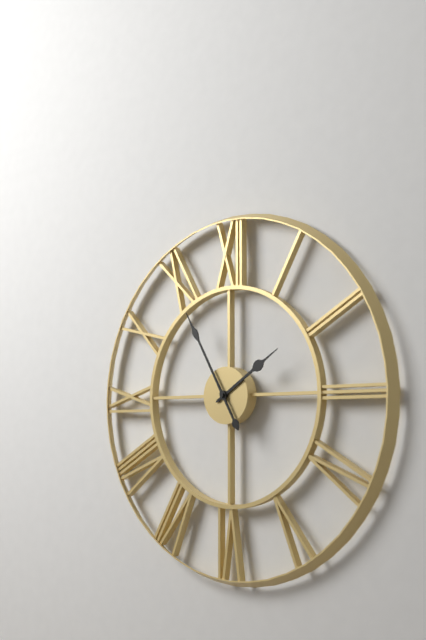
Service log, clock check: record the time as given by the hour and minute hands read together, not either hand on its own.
1:55
